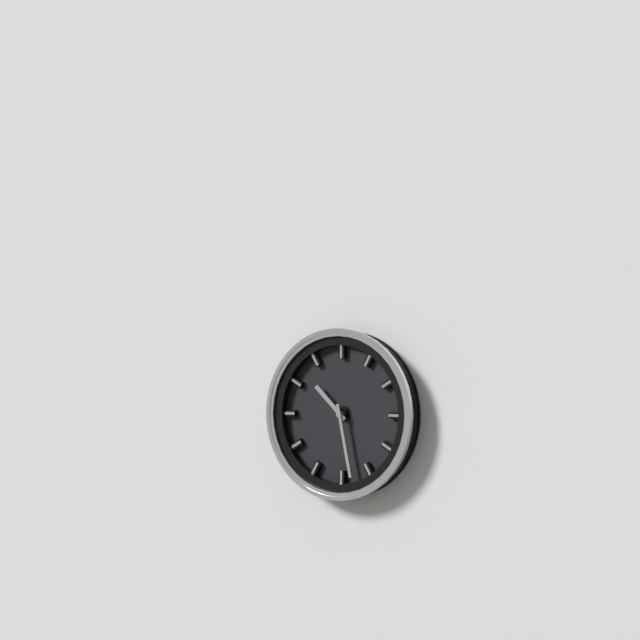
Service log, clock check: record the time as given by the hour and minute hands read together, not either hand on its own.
10:28
